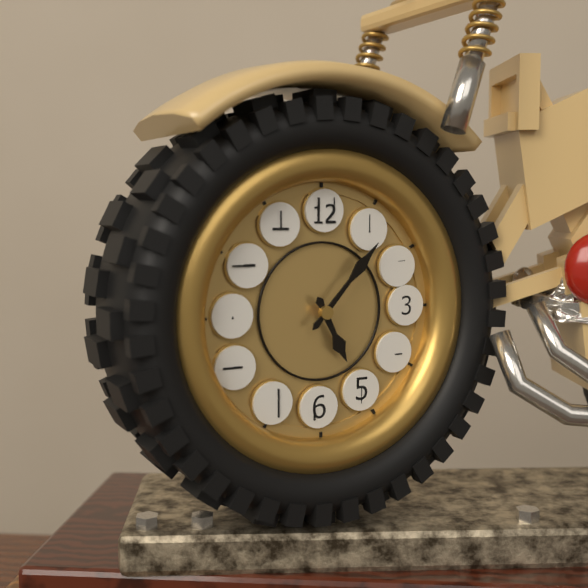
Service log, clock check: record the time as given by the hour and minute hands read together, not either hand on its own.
5:07
